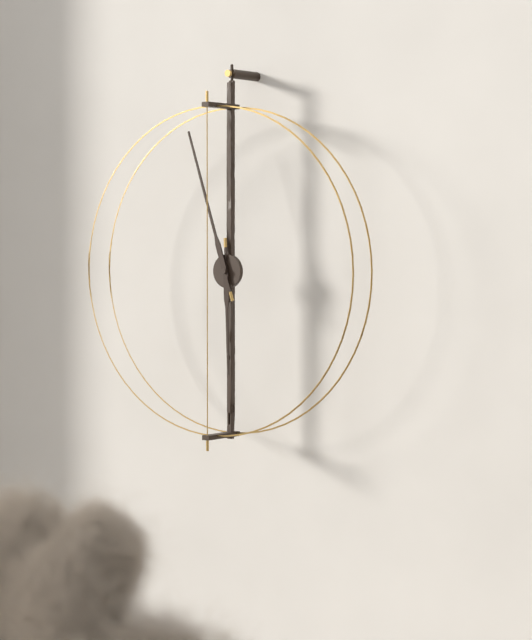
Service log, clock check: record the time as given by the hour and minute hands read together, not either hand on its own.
5:57
